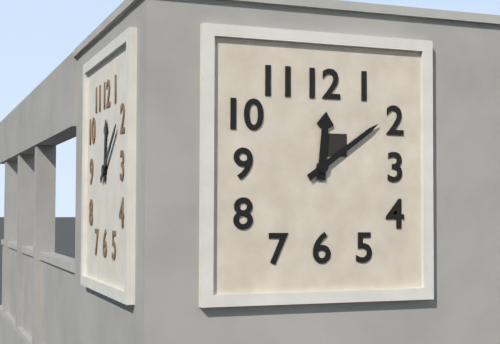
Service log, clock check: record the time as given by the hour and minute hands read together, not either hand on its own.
12:09
